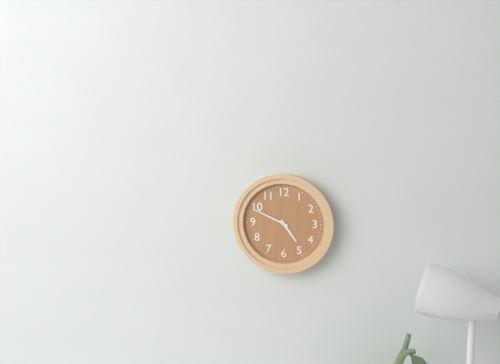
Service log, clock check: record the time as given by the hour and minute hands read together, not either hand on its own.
4:49
